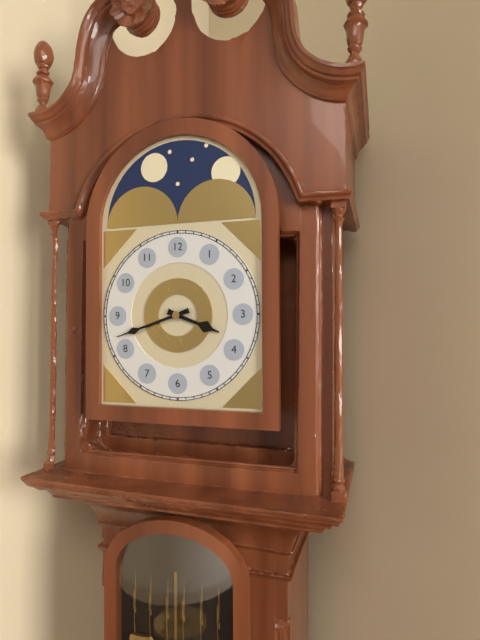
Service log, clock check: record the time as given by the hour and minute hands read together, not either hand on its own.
3:42
